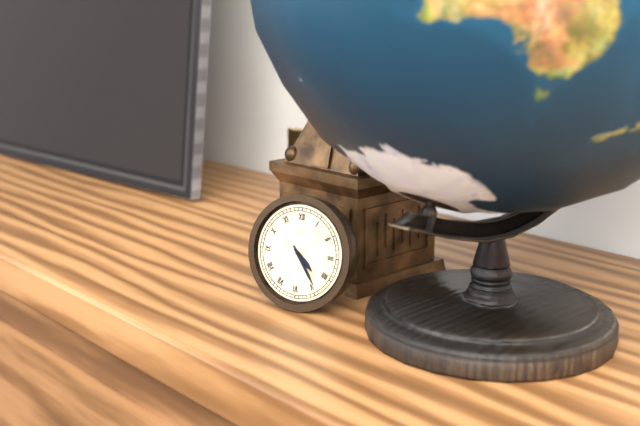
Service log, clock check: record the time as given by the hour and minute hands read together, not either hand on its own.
4:24
